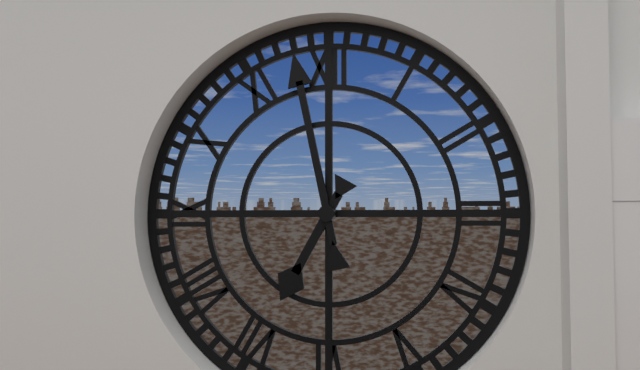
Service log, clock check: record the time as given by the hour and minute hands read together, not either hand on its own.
6:58
